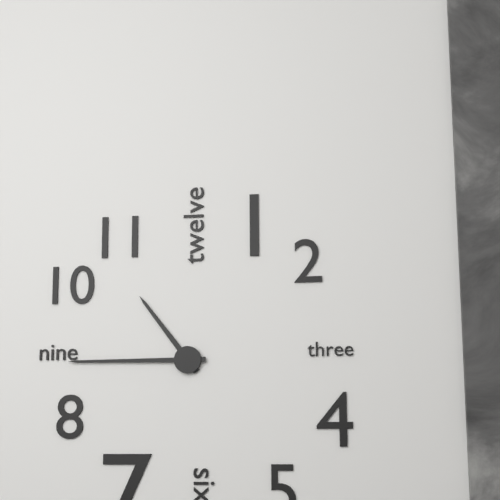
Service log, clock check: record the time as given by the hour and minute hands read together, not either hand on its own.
10:45
